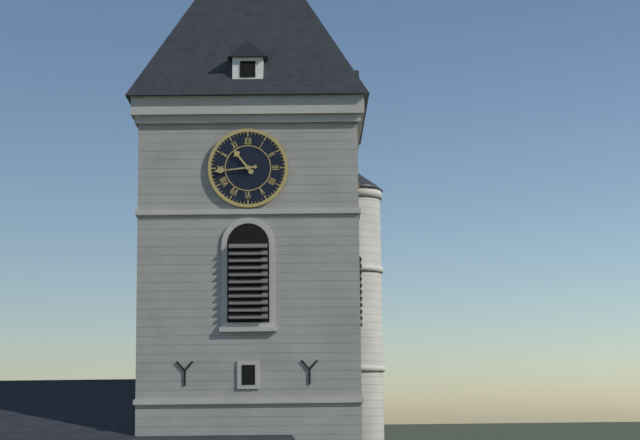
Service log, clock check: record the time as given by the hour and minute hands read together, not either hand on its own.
10:44
